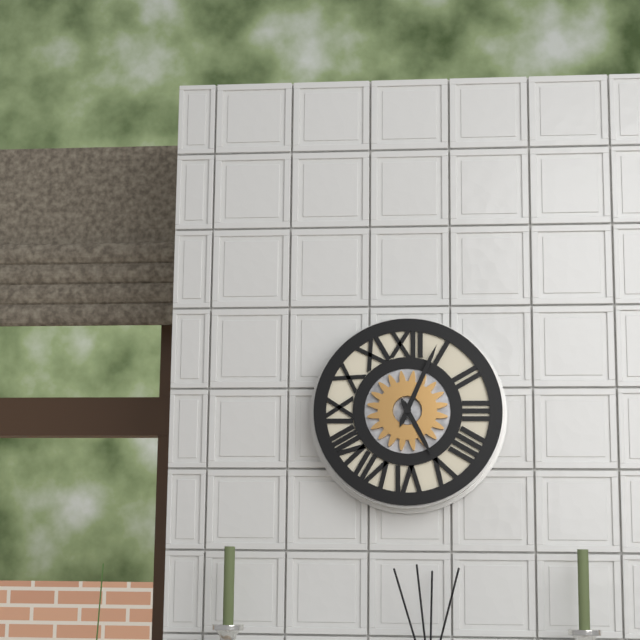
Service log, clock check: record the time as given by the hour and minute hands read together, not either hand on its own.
5:04
